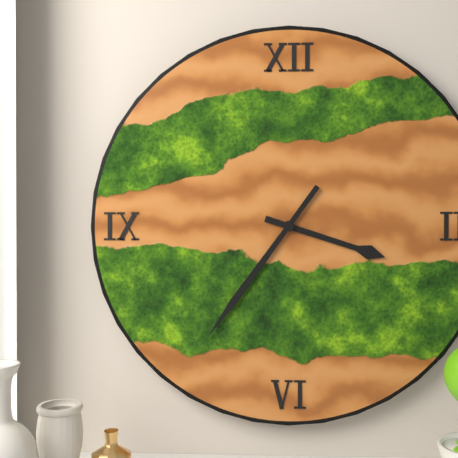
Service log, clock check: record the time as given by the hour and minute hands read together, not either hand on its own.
3:36
